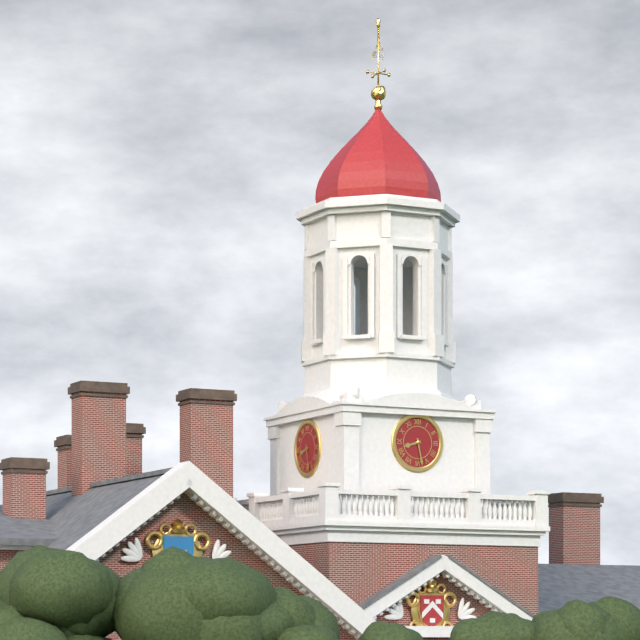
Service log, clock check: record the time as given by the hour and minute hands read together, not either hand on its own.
8:28
